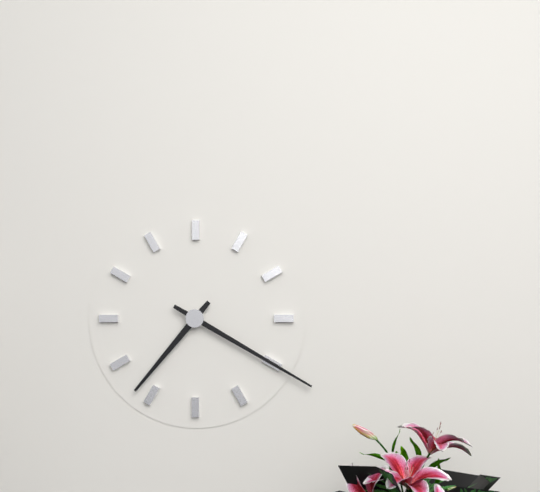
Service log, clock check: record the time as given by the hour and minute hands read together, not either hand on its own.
7:20
